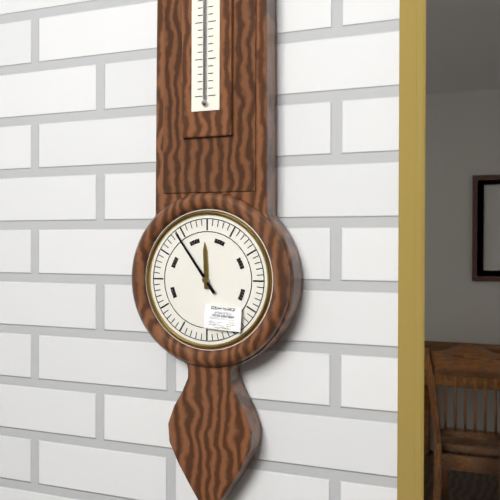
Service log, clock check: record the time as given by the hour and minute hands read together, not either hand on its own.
11:54
